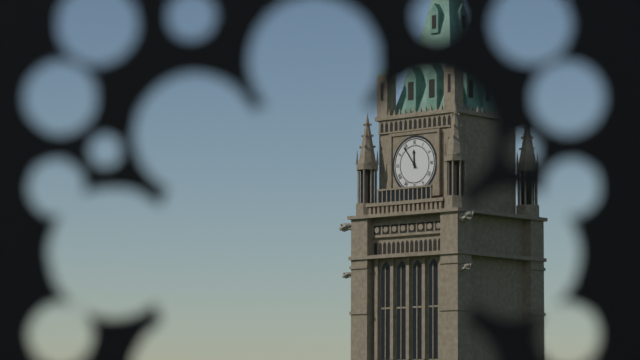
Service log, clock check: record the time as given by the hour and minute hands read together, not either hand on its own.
11:54
